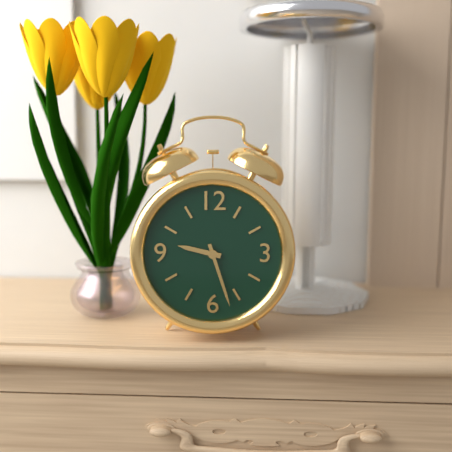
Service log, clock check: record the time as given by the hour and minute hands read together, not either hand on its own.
9:27
